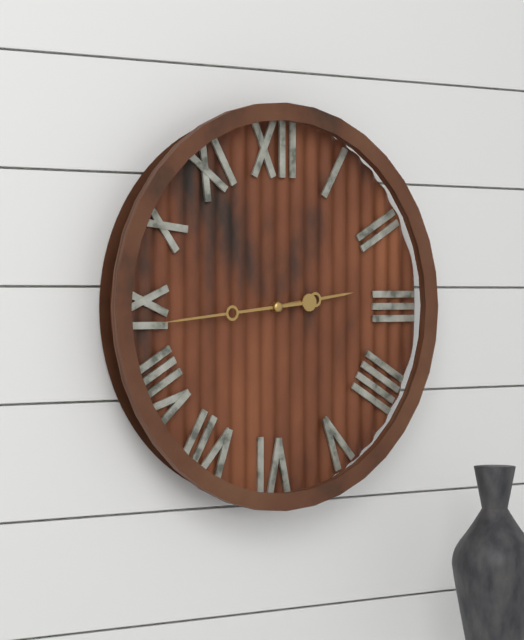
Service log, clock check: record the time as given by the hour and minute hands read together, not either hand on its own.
2:44
